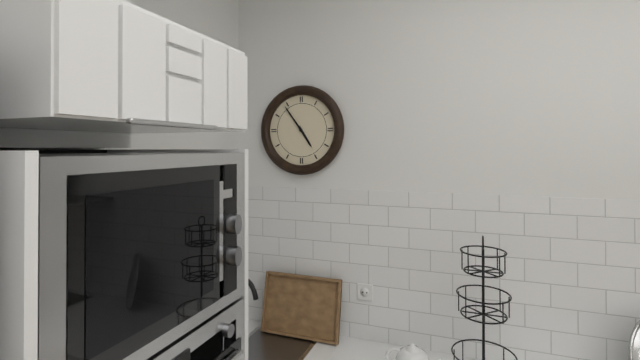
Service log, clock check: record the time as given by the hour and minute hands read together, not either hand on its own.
4:54
